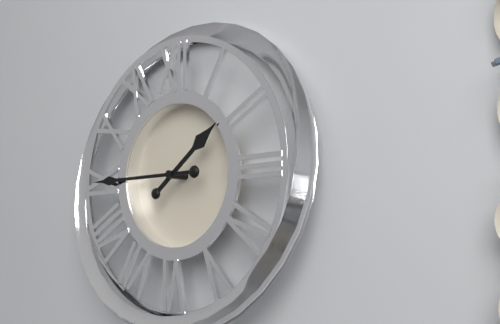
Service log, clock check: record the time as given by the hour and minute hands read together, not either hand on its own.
1:45
